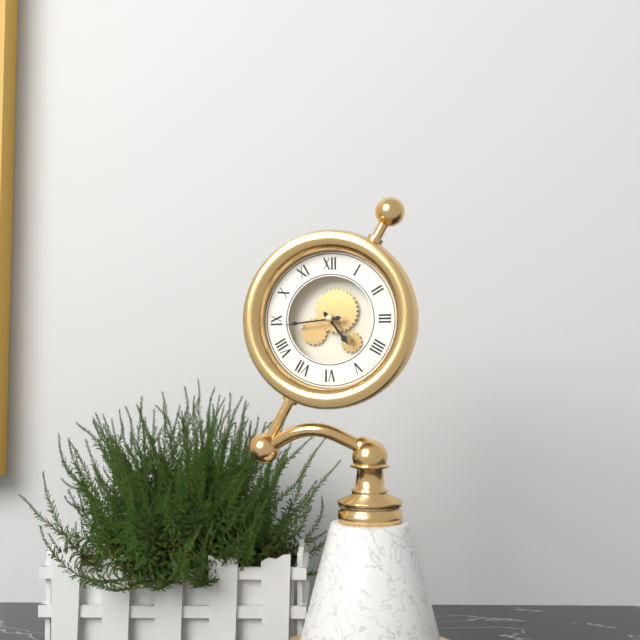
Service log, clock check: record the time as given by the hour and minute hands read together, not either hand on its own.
4:44
